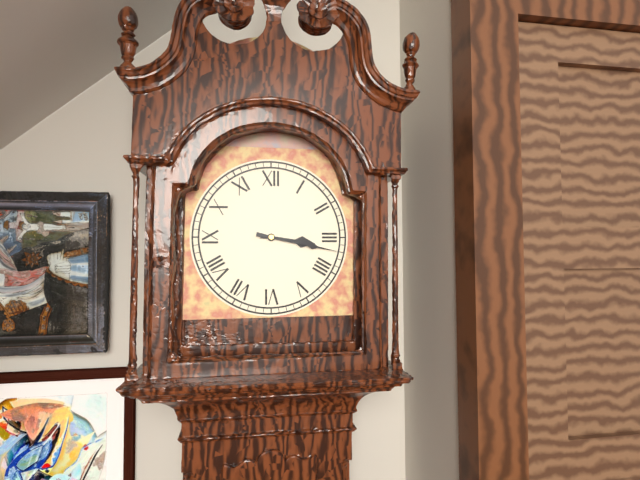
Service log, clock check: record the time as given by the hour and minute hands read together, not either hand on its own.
3:17
